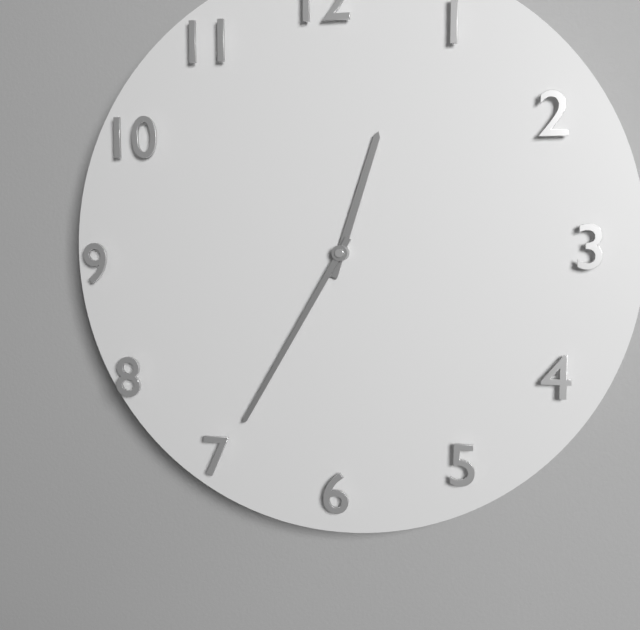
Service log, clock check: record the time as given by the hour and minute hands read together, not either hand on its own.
12:35
